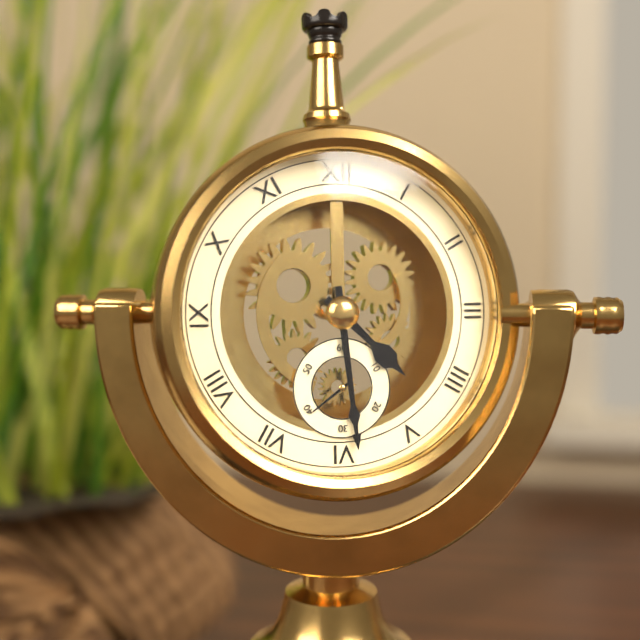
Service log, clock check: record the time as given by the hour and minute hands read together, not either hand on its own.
4:29
